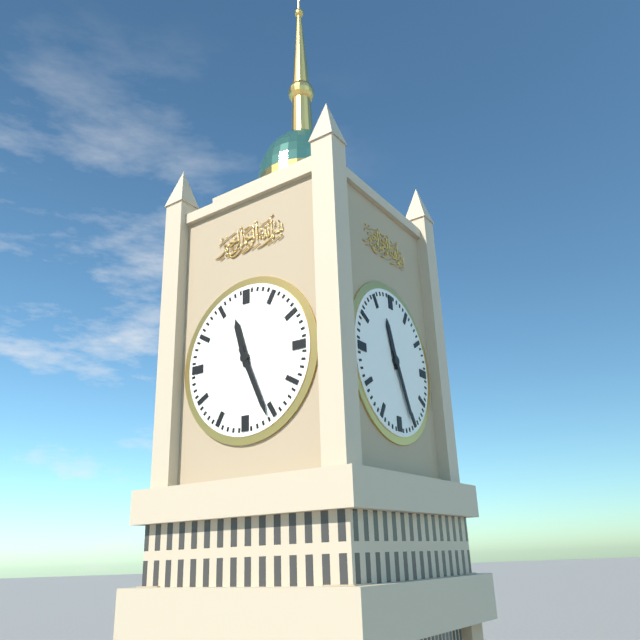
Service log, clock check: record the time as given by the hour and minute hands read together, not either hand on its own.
11:26
